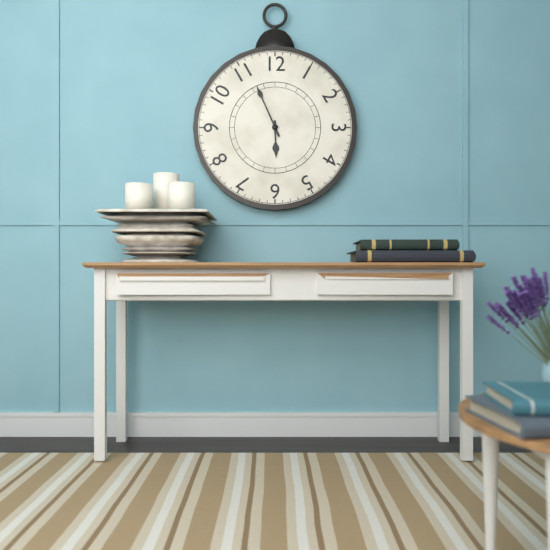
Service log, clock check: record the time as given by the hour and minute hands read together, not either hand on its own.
5:56
